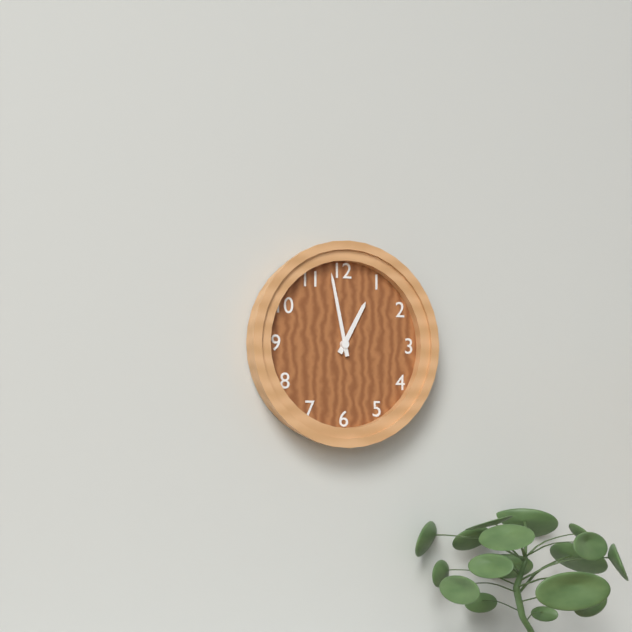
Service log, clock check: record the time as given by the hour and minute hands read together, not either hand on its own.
12:58
